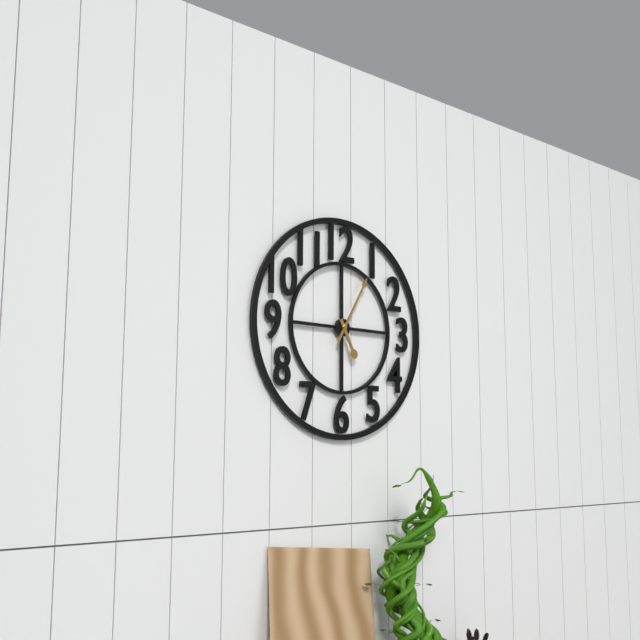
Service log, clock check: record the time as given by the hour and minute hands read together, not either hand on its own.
5:05
